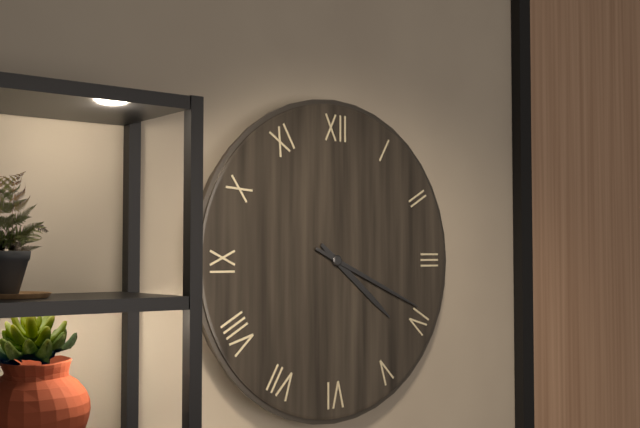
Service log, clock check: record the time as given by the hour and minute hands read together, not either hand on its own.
4:19
